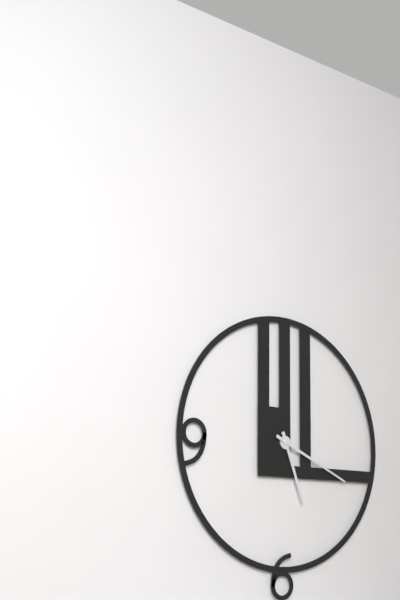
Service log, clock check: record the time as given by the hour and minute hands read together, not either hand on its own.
5:19
